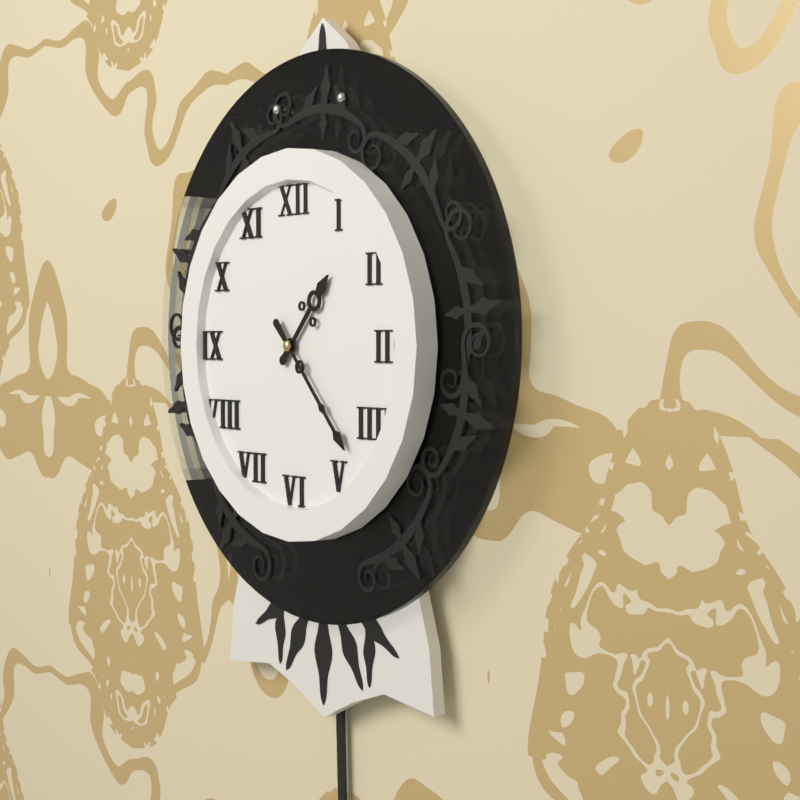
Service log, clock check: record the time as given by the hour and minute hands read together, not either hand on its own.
1:23
